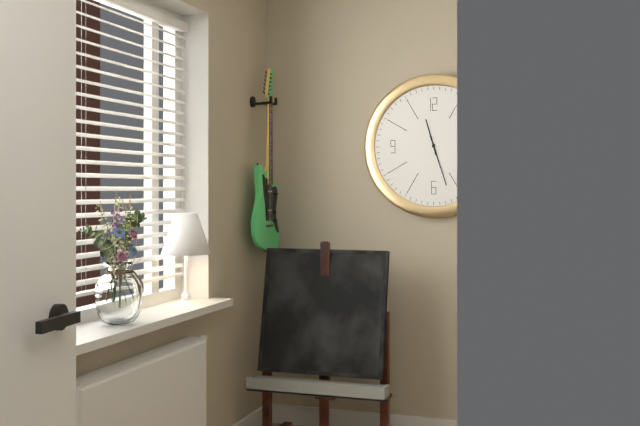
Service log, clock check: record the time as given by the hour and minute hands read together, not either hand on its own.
11:27
